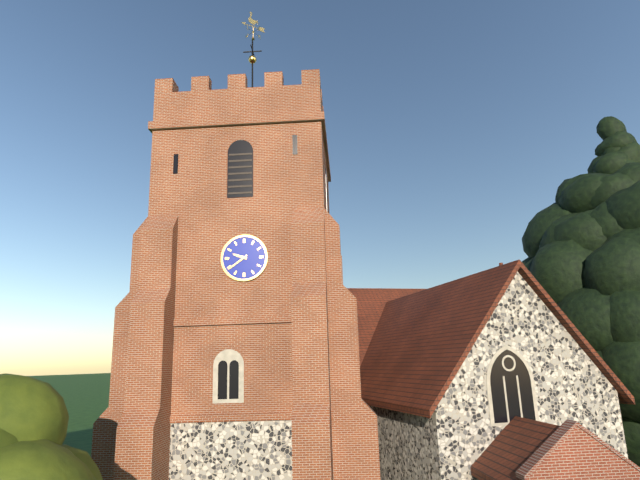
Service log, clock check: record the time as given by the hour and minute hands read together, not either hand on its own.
9:39
